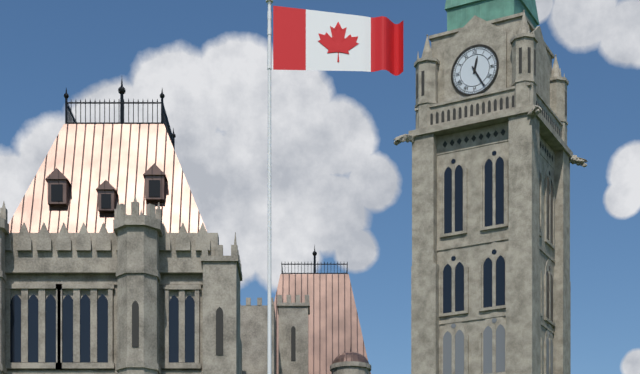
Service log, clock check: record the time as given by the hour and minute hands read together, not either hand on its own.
12:25
